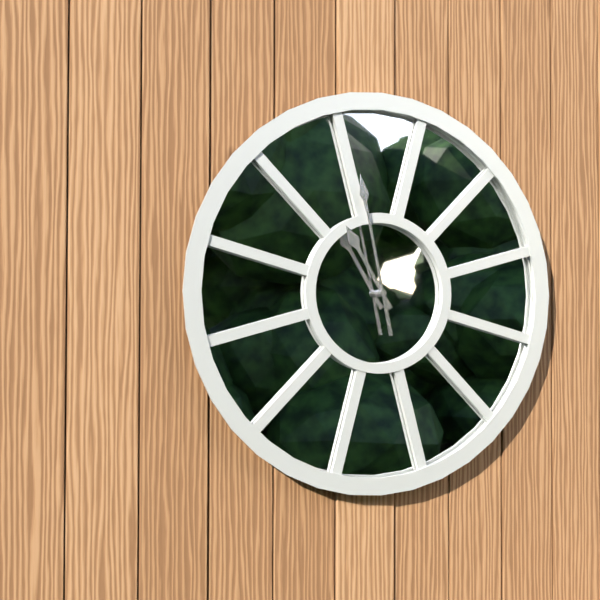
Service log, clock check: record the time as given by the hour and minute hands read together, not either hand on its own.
10:58
